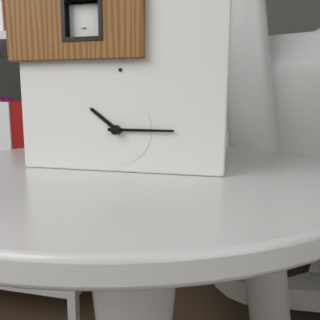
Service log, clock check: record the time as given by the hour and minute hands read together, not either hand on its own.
10:15
